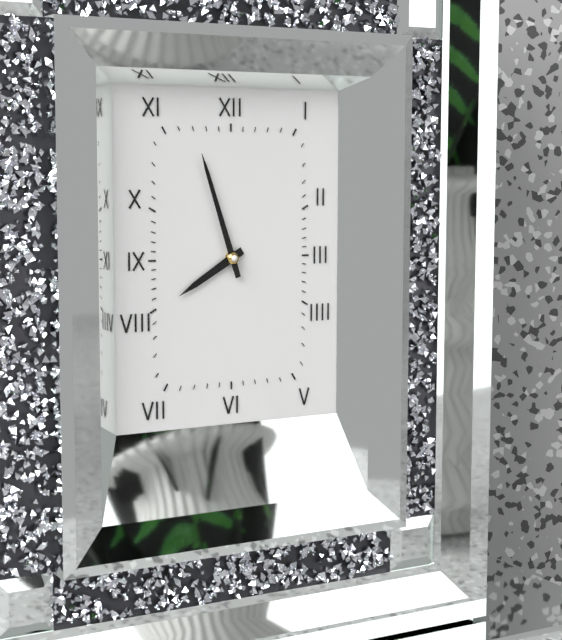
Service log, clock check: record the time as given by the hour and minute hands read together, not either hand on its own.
7:57
